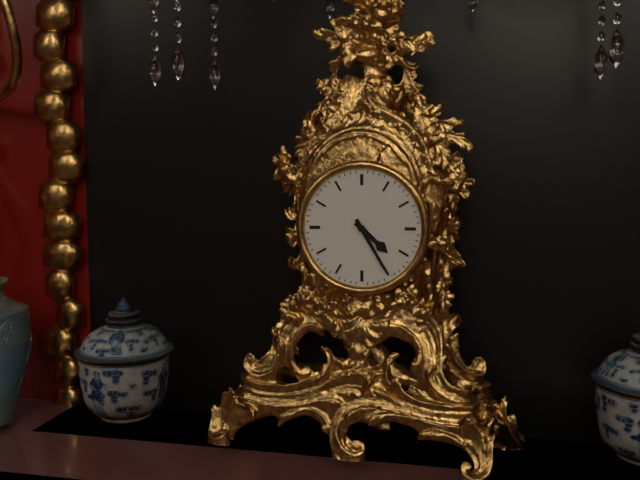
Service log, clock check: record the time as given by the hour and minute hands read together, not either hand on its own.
4:25
